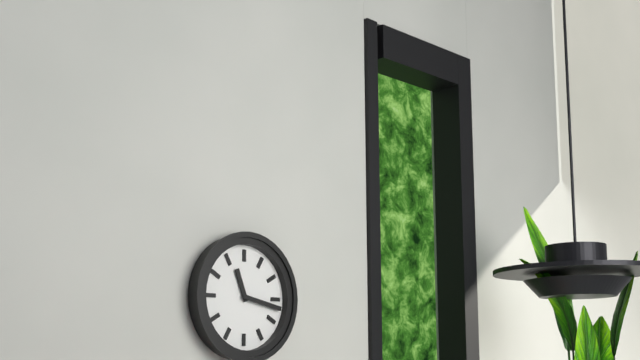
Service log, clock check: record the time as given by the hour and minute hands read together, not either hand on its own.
11:17
